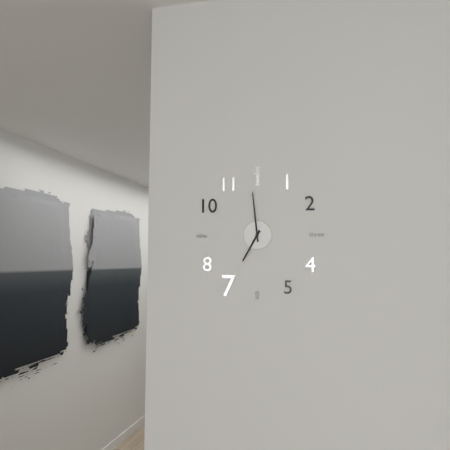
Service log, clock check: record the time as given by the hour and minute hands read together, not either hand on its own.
6:59
